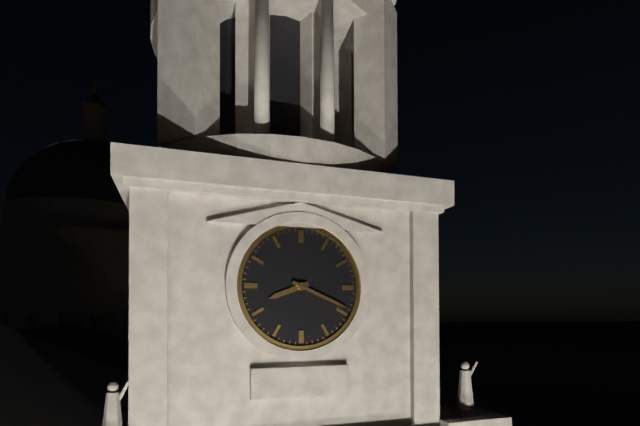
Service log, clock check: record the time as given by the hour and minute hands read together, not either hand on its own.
8:19
